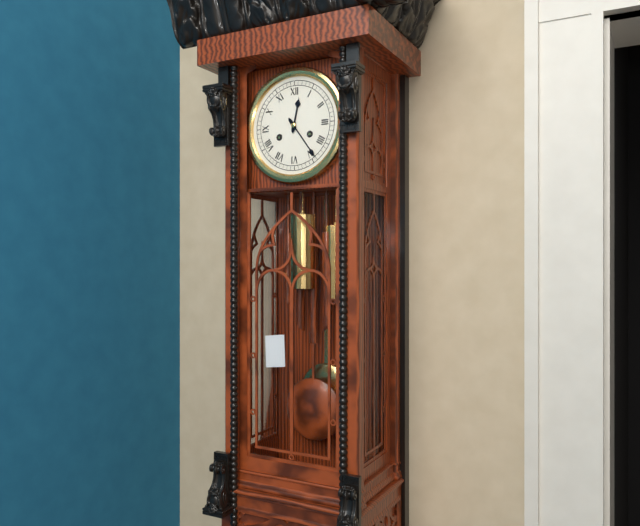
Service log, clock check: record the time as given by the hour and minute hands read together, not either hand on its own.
12:24
